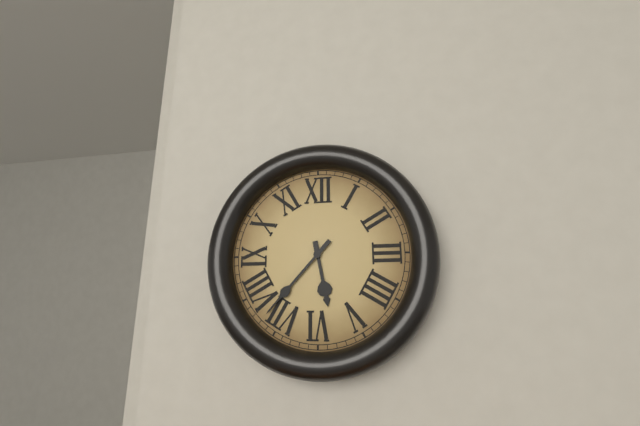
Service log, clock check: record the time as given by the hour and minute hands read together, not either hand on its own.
5:37
